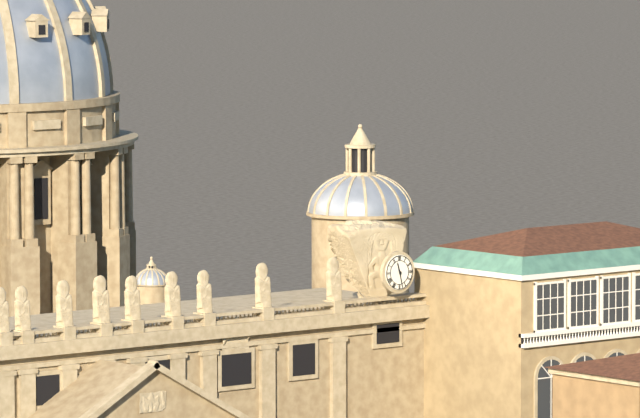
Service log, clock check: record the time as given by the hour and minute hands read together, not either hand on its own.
11:28
